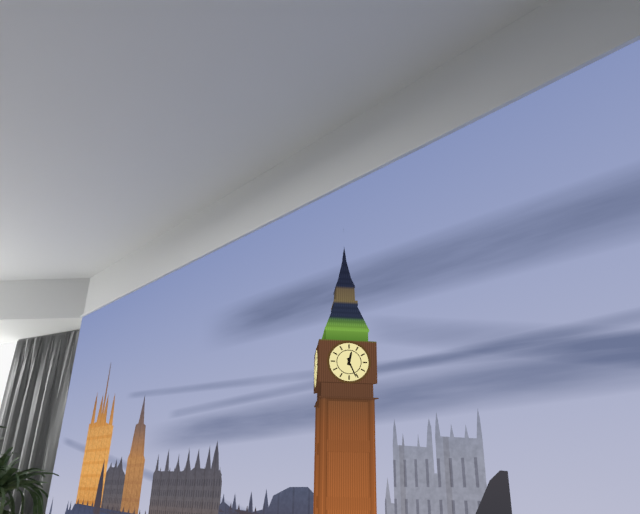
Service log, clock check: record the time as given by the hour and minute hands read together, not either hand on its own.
12:26
